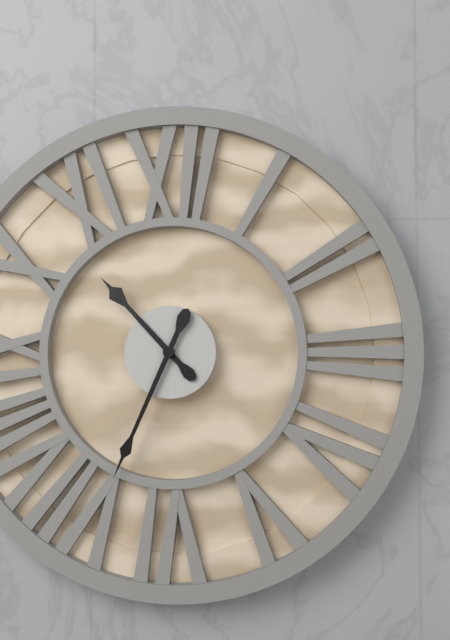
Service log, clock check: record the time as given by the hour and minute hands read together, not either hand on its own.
10:34
